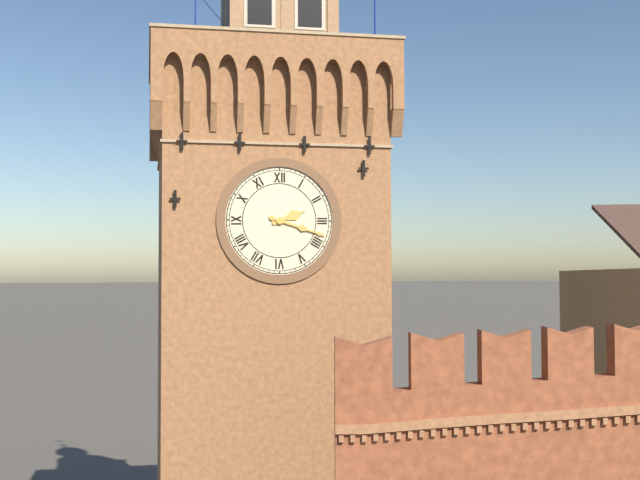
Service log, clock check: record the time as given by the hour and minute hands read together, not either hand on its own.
2:18
